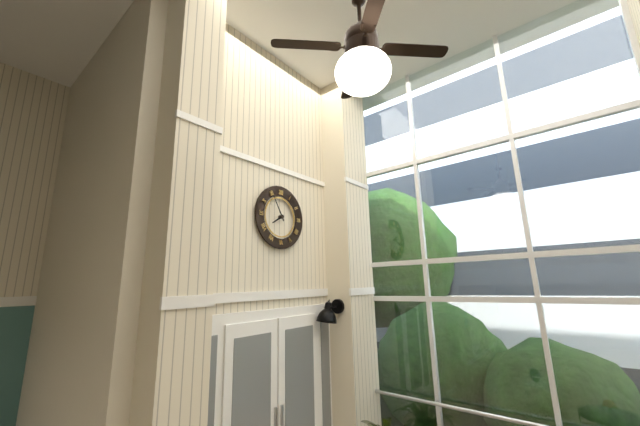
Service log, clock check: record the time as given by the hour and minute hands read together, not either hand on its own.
7:55
